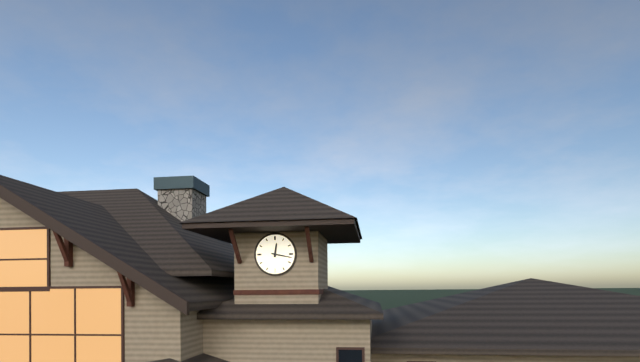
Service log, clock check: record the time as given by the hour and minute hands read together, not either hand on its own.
12:17
